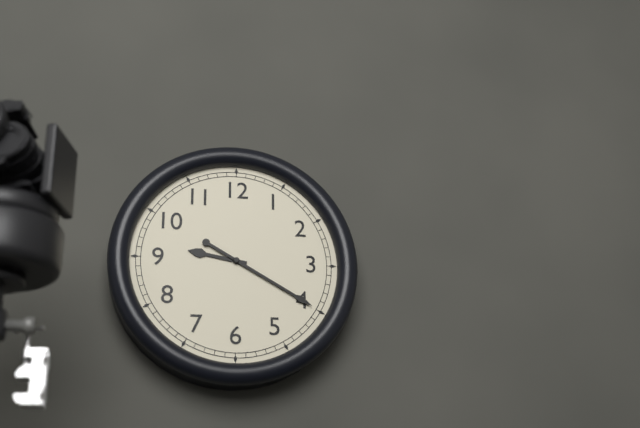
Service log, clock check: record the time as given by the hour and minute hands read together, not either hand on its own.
9:20
